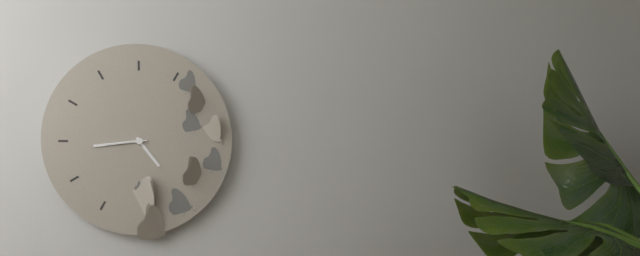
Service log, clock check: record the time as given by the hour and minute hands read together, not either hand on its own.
4:44
